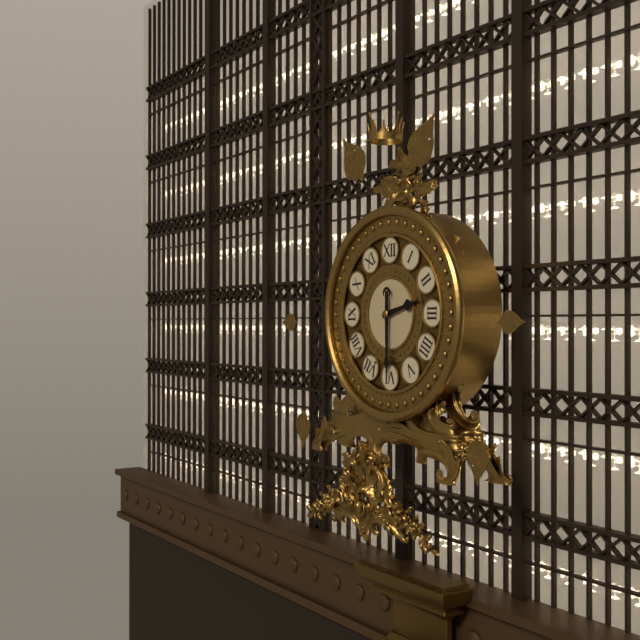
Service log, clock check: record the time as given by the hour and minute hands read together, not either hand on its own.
2:30
